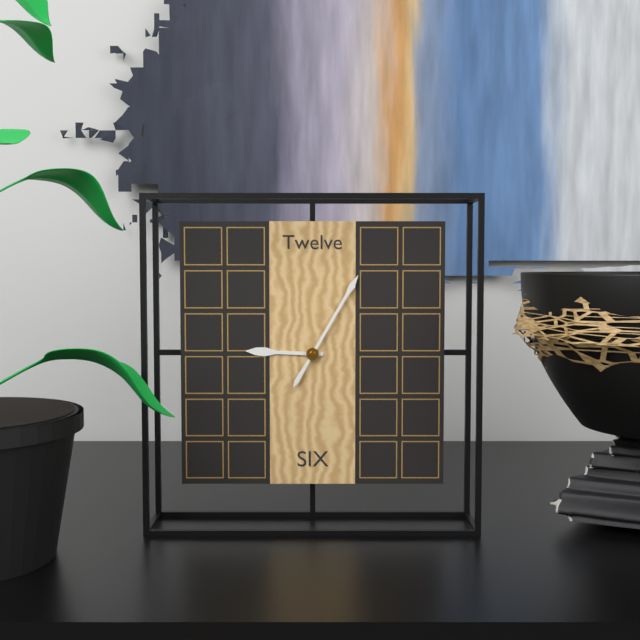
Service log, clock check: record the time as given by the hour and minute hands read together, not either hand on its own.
9:05
